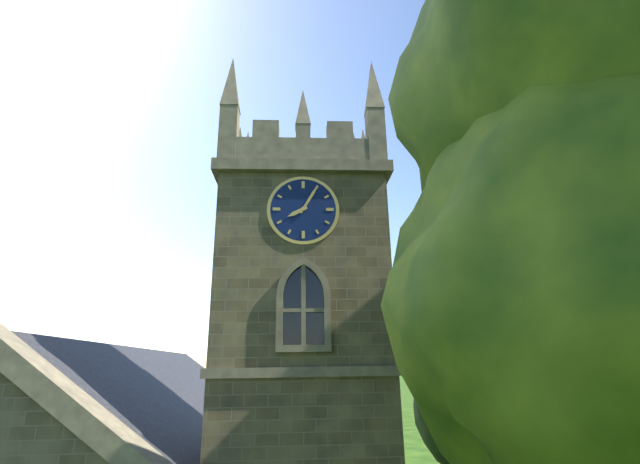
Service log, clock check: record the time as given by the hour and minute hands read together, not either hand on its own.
8:05
